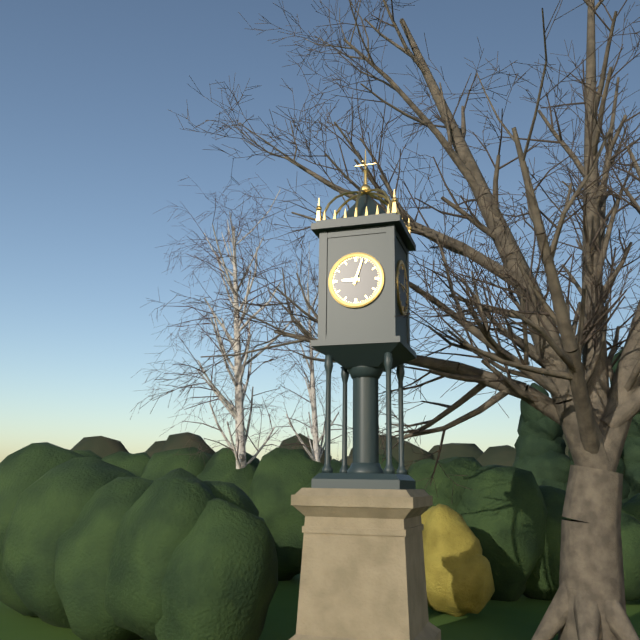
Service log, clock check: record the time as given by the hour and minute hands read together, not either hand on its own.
9:03
